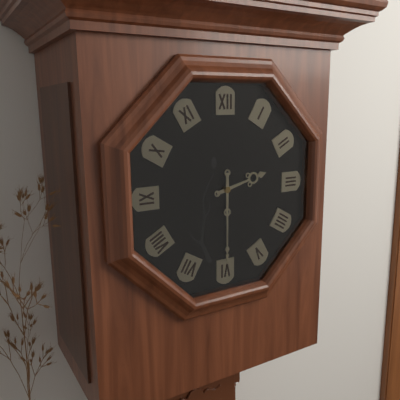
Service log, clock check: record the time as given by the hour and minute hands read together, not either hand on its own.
2:30
